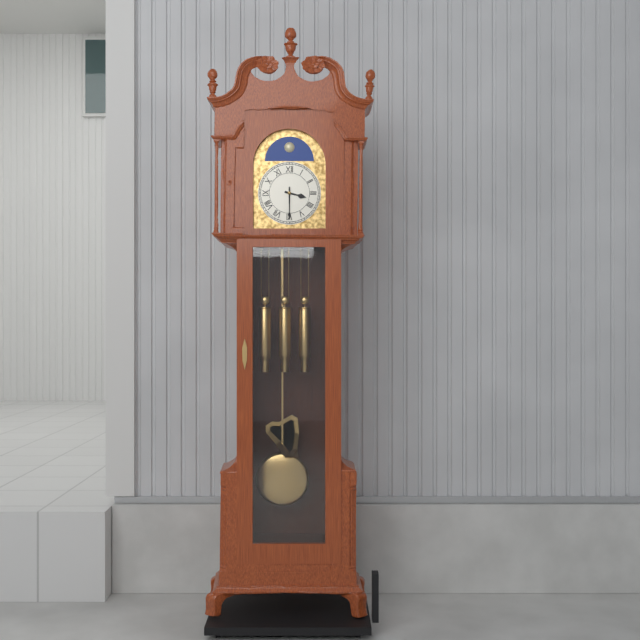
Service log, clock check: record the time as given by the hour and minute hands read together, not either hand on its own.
3:30
